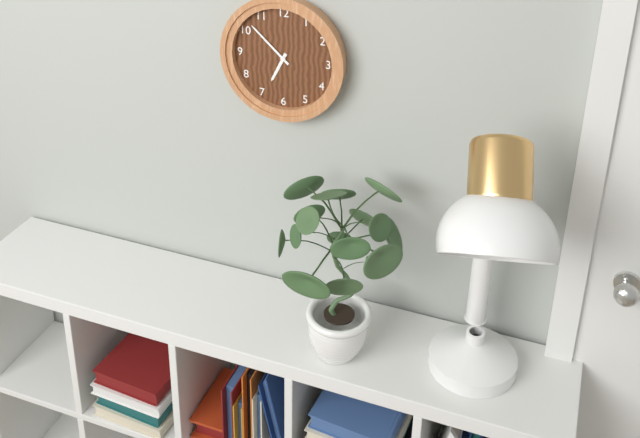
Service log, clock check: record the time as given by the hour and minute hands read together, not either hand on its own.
6:52
